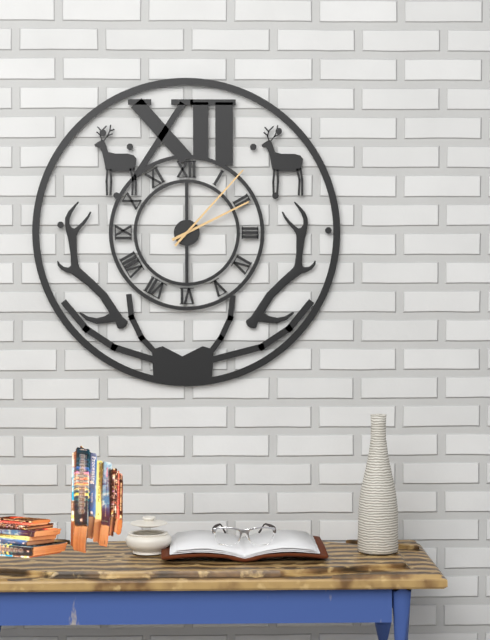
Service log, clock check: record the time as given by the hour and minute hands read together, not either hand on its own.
2:07
